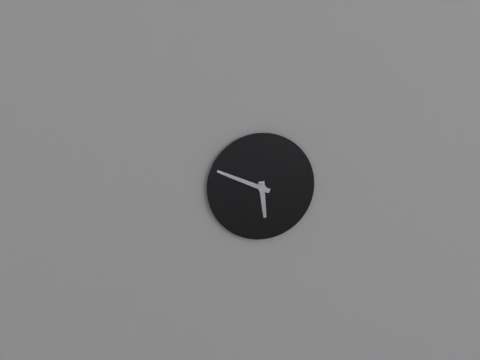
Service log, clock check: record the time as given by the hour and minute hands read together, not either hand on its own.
5:49
